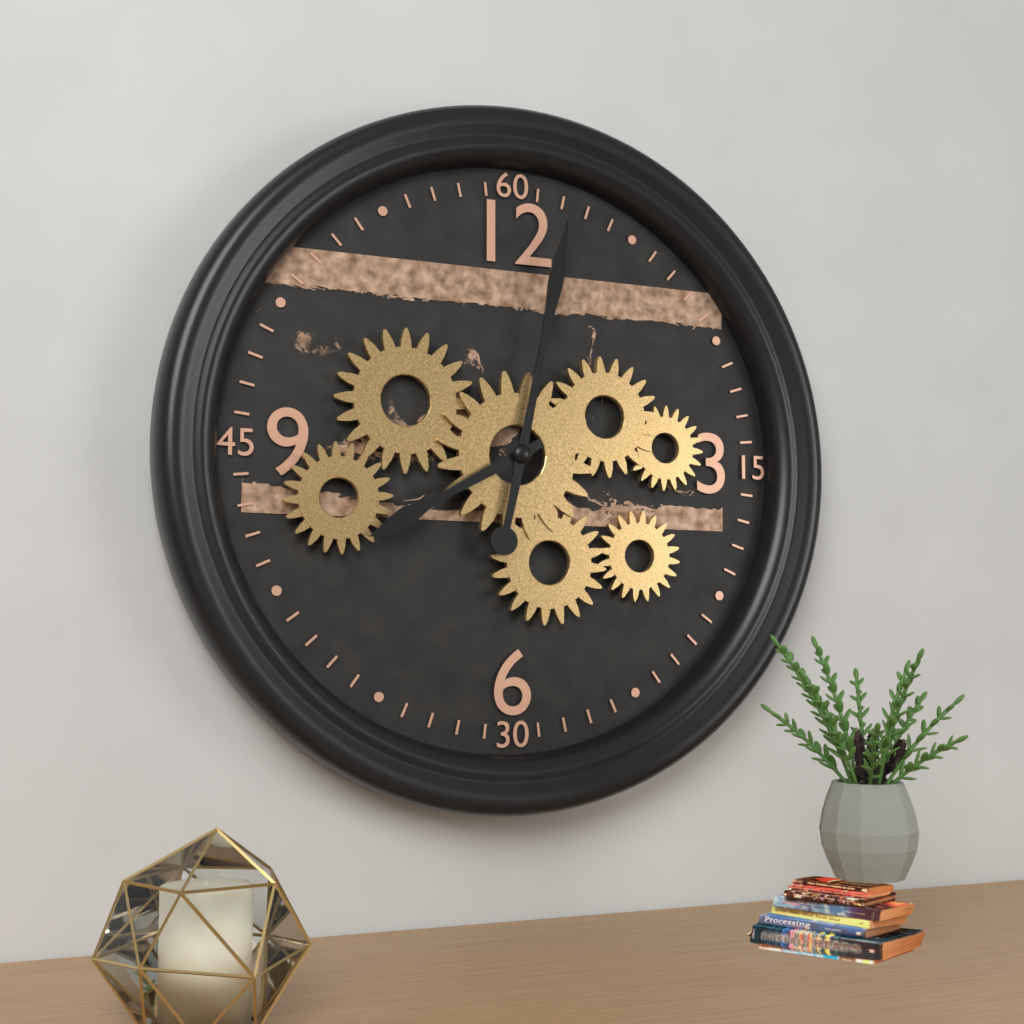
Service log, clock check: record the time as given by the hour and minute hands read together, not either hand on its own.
8:02
